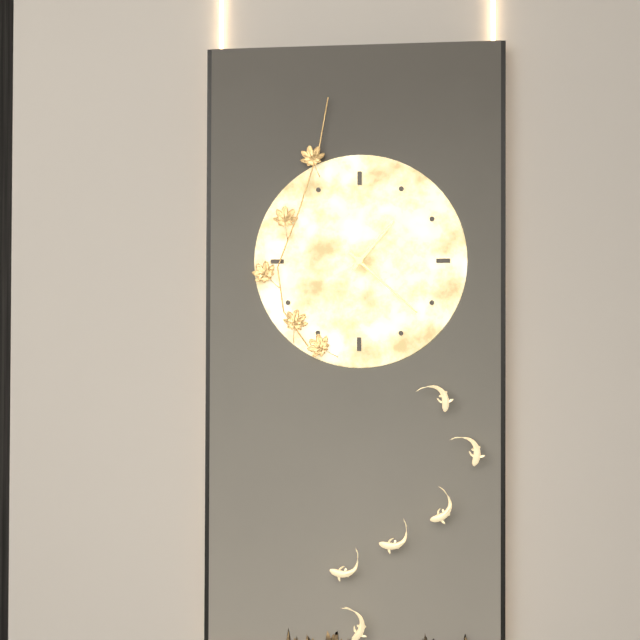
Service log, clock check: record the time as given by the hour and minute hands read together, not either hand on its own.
1:22
